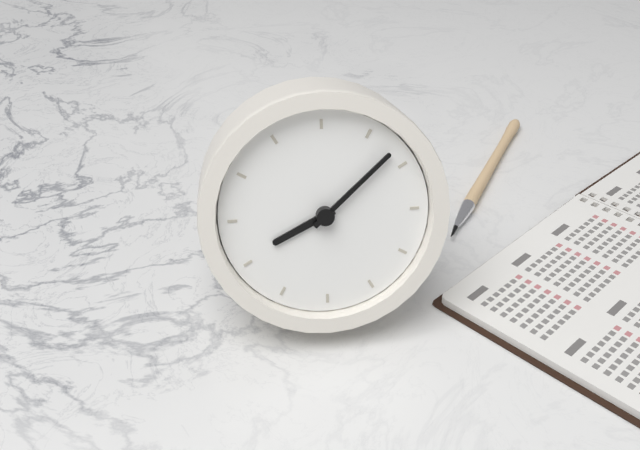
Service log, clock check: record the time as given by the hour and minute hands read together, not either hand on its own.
8:08
